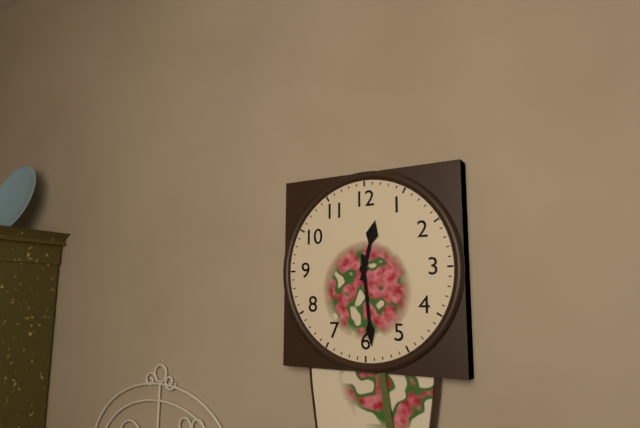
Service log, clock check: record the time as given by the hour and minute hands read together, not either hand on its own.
12:29
